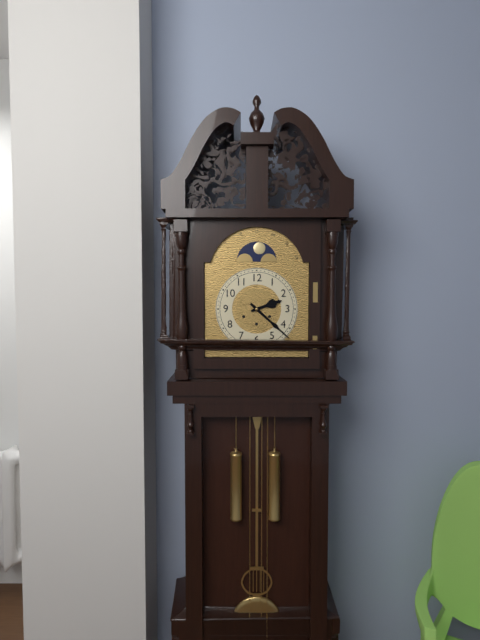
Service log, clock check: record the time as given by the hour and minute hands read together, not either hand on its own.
2:22
